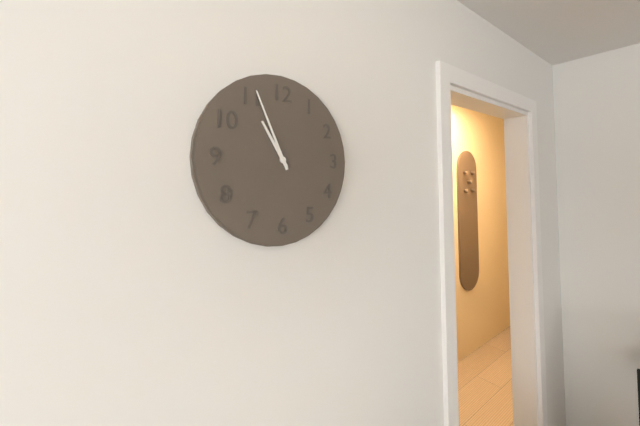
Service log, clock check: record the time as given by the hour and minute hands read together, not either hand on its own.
10:56
